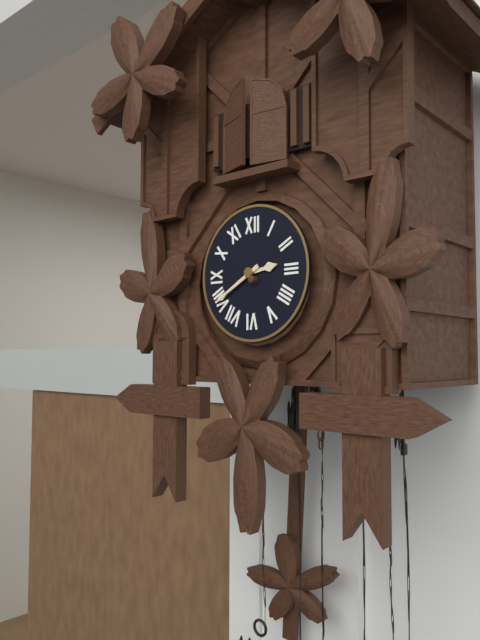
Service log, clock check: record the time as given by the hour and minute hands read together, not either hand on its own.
2:40
